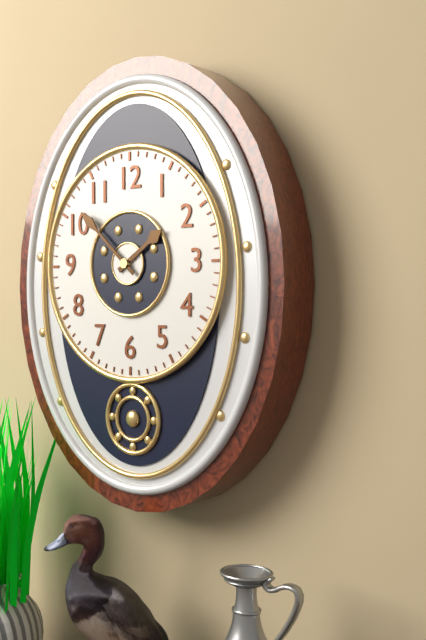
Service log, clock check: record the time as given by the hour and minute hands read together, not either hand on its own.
1:52
